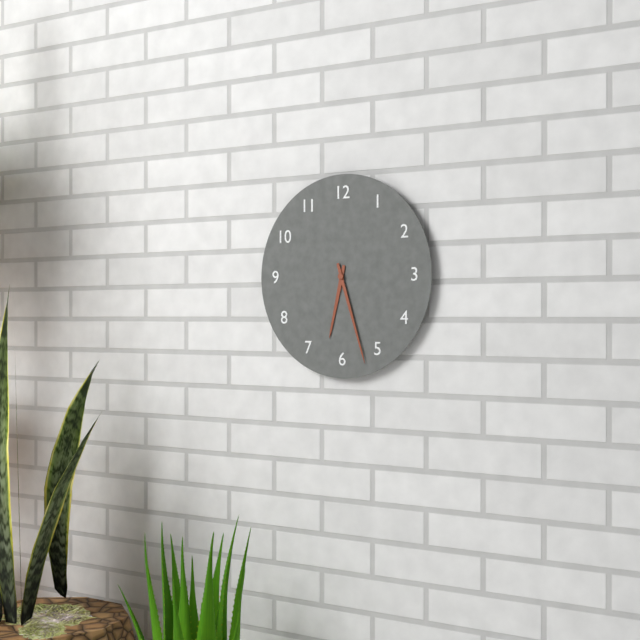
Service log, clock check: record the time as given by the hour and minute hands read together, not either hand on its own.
6:27
